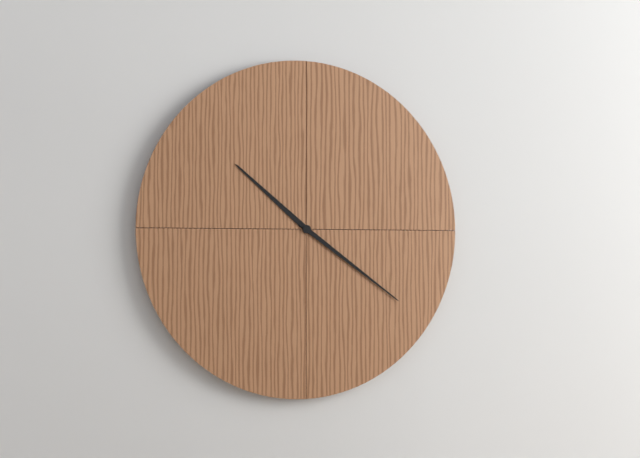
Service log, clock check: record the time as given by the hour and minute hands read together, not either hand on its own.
10:21
